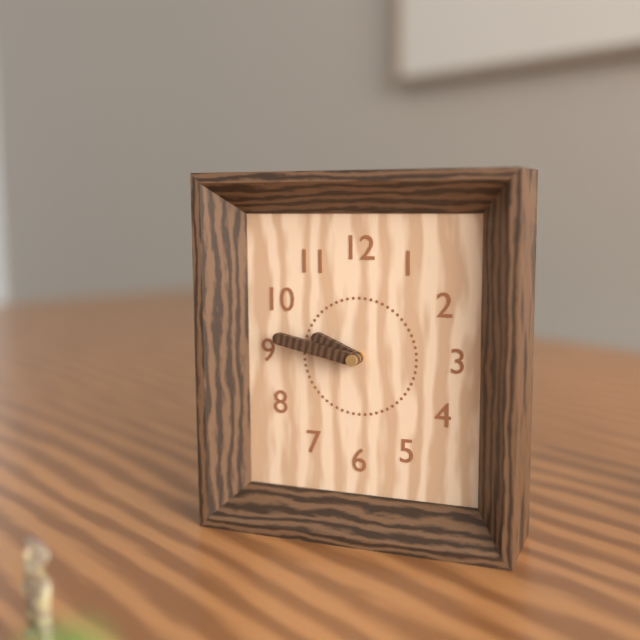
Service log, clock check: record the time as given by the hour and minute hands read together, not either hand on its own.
9:47
